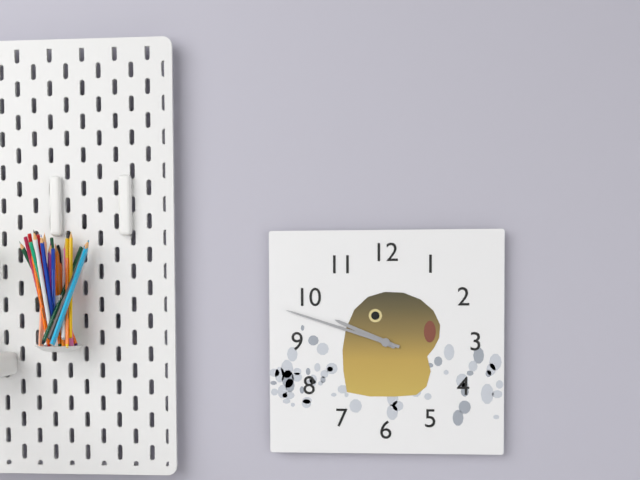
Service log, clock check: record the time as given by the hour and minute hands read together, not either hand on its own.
9:48
